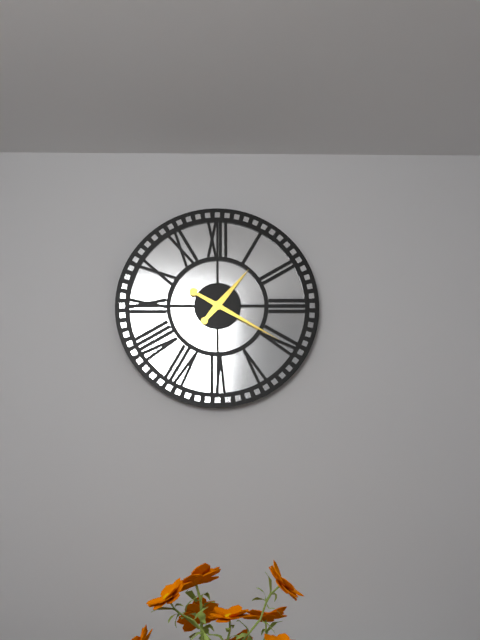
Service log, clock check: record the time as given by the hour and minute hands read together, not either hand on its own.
1:20
